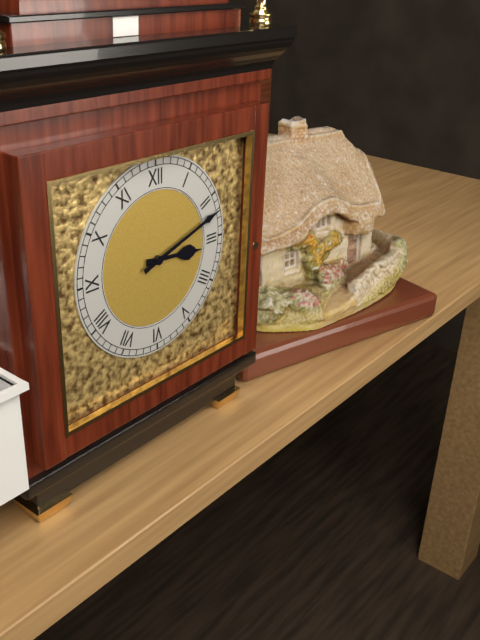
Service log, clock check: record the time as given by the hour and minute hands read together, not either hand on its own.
3:12
